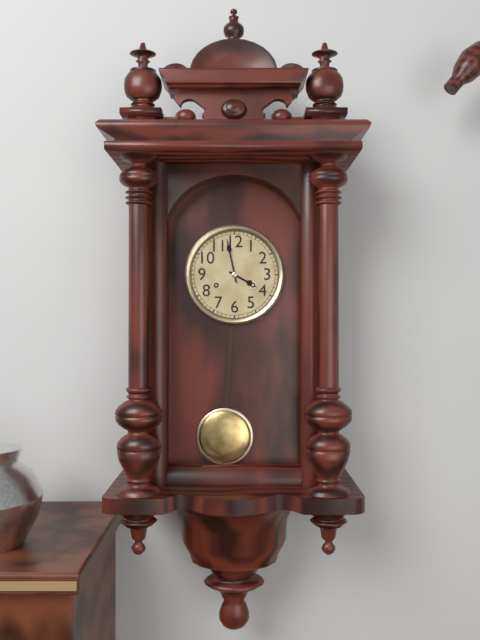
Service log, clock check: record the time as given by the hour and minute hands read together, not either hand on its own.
3:58
